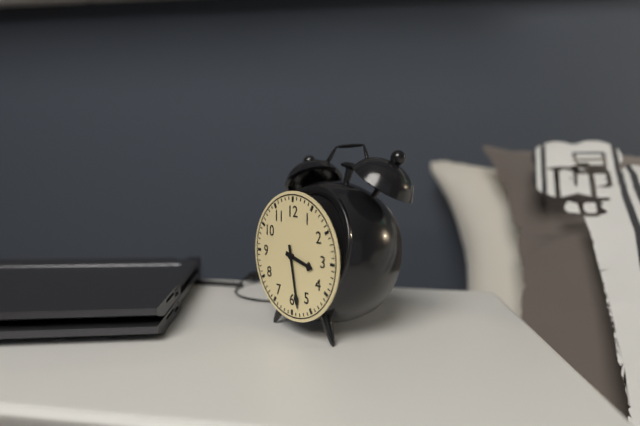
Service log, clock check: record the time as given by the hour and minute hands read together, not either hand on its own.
3:28
